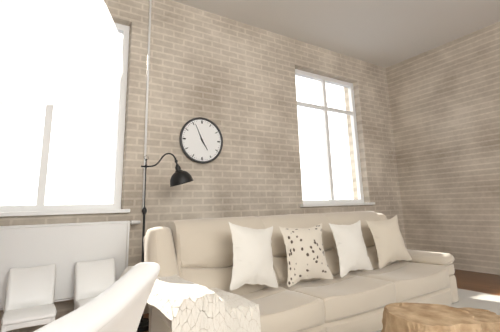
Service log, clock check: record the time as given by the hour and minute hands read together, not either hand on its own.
4:56
